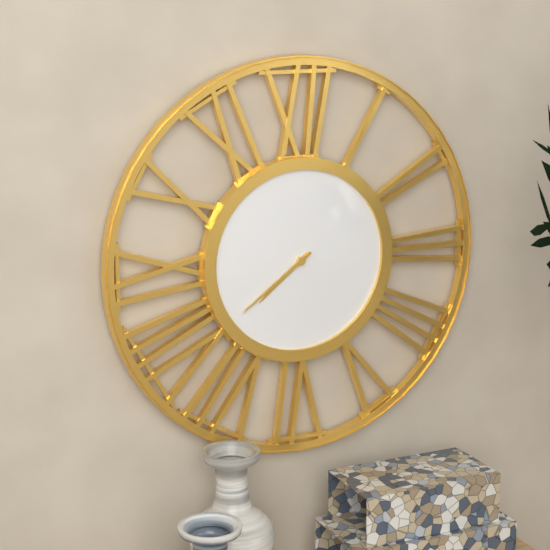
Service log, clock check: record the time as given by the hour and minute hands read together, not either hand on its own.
7:39
